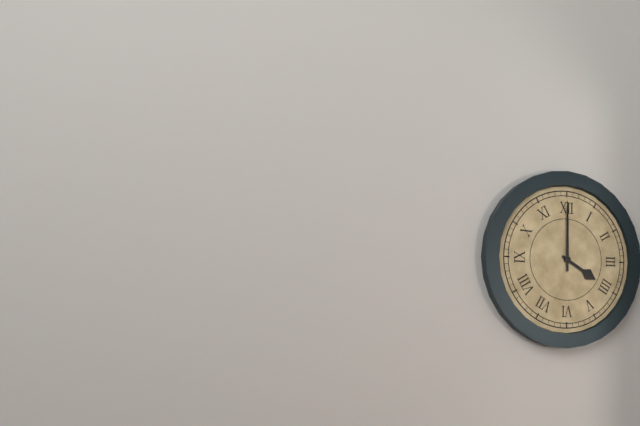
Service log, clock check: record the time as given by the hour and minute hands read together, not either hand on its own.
4:00
